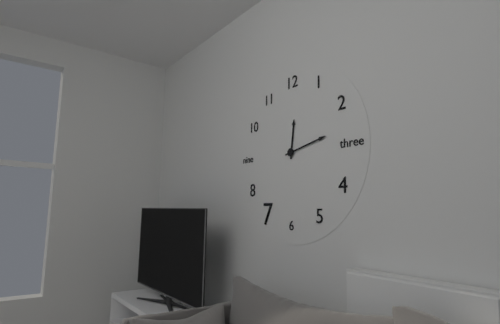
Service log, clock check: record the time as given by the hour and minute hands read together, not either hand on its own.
12:13
